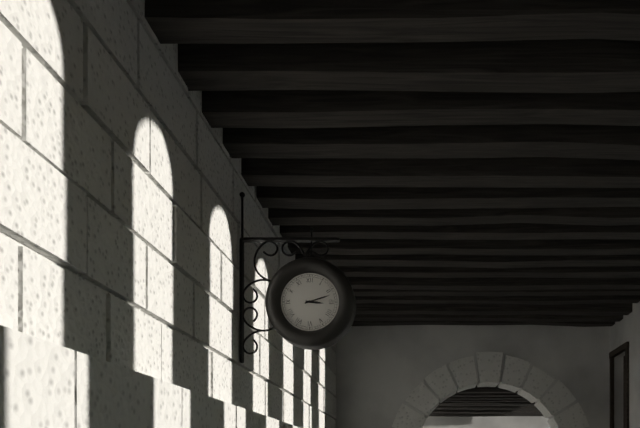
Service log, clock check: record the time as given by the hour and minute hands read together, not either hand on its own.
3:12
